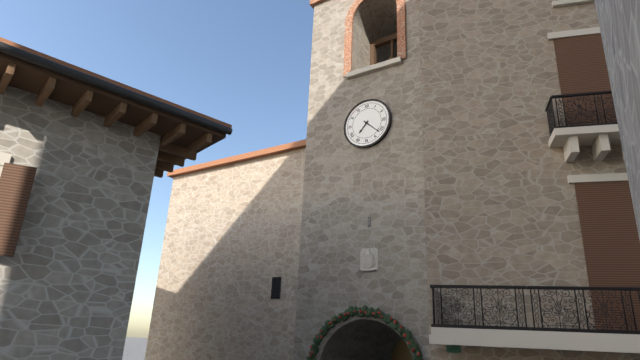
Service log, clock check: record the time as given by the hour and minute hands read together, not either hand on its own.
7:22
